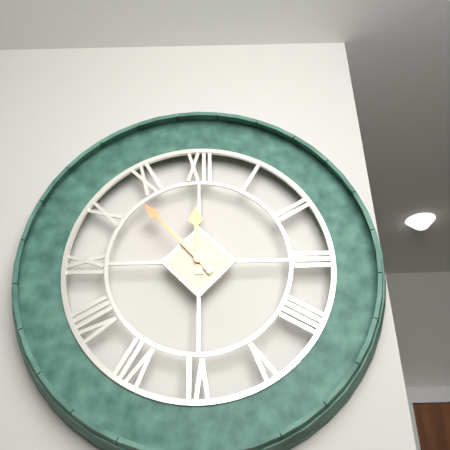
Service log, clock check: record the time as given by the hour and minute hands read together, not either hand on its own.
11:53
